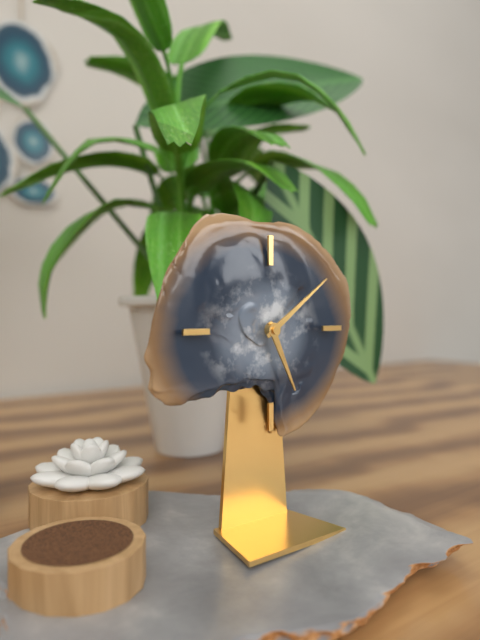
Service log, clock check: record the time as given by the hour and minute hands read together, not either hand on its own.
5:09
